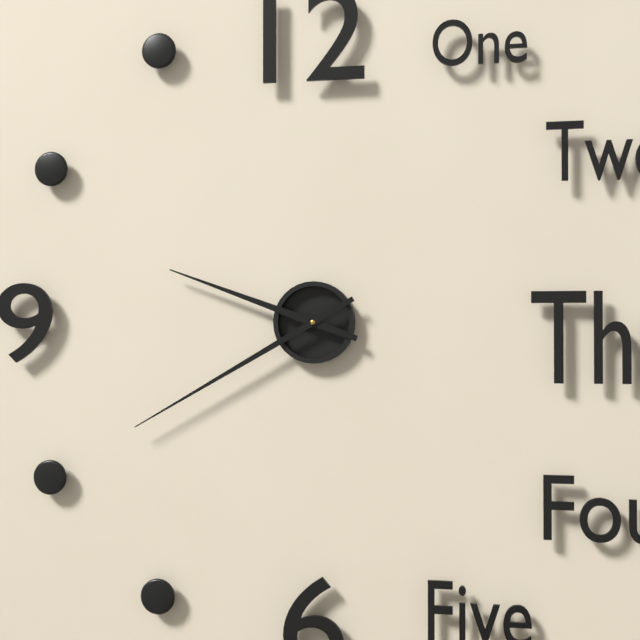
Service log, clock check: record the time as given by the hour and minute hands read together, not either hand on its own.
9:40
